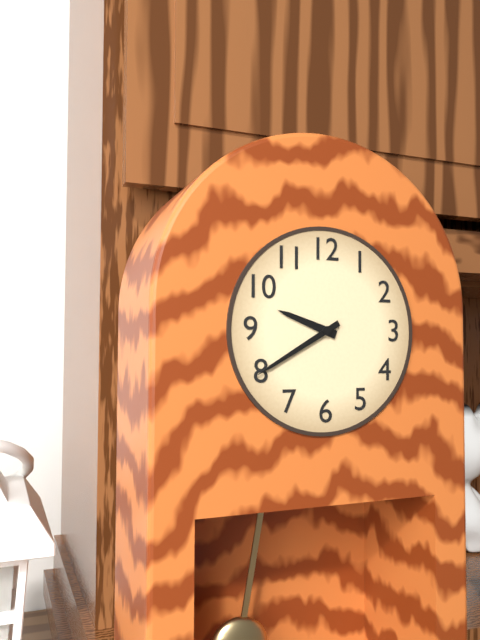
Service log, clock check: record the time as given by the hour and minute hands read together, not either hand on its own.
9:40
